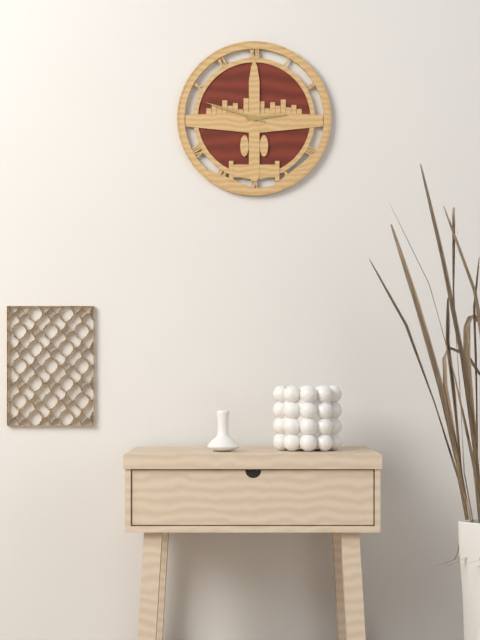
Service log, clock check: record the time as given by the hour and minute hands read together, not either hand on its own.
2:48
